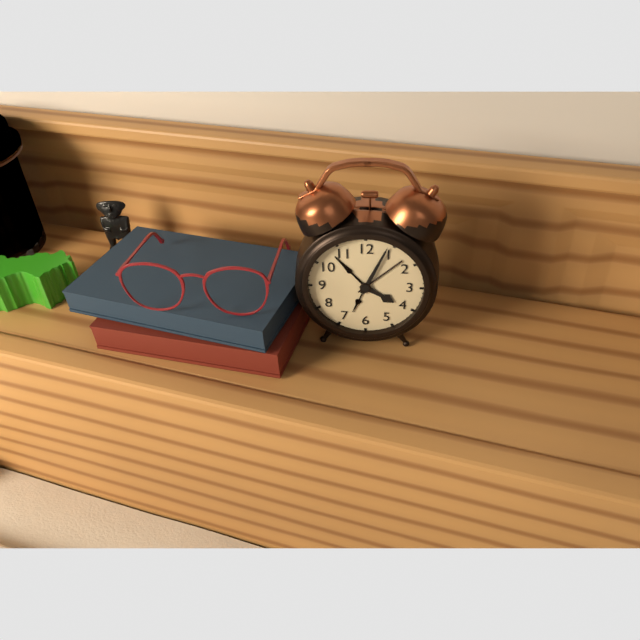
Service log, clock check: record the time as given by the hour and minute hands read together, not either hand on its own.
4:04
